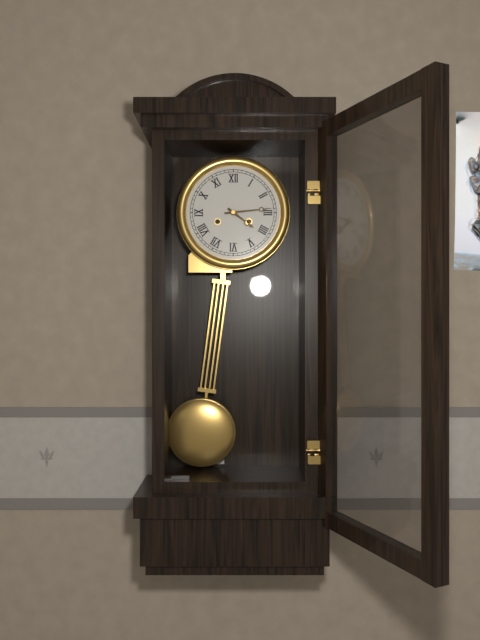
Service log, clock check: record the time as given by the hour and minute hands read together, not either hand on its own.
4:14
